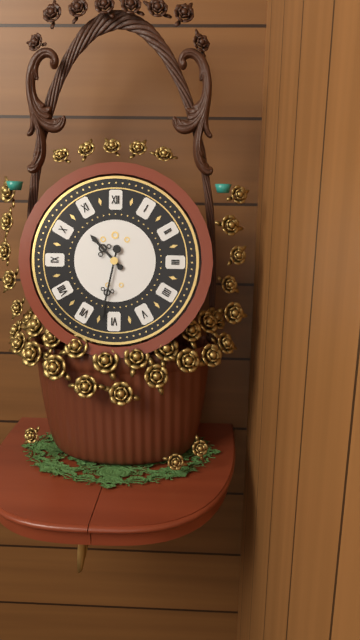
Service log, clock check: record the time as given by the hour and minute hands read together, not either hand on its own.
10:32
